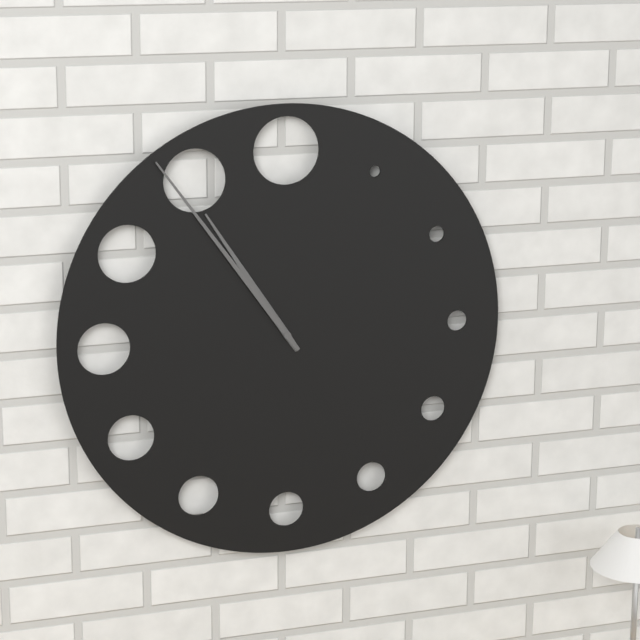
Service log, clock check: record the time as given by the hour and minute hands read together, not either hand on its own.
10:54
